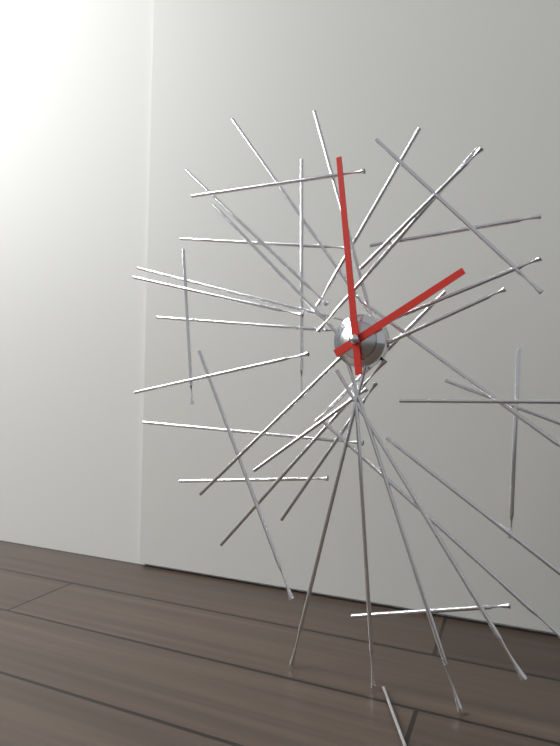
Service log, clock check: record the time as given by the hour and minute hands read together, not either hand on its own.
1:59
